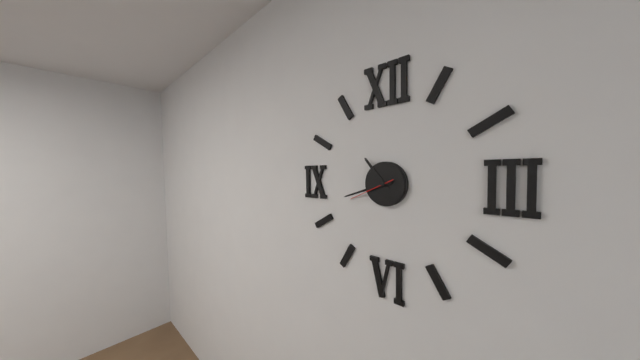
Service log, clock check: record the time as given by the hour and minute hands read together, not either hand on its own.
10:42
